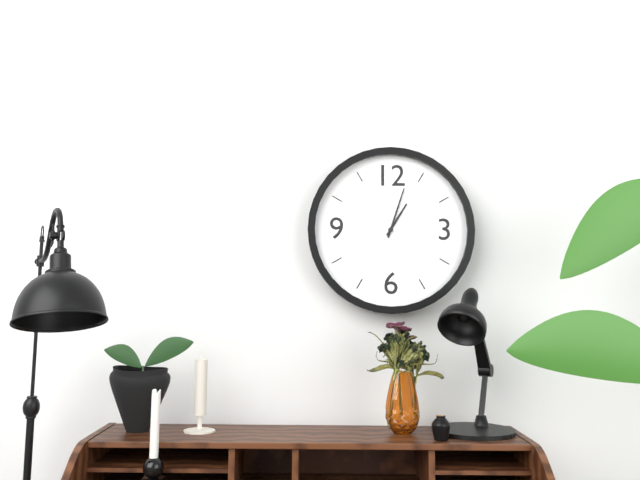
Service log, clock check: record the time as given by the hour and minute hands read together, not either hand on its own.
1:03
